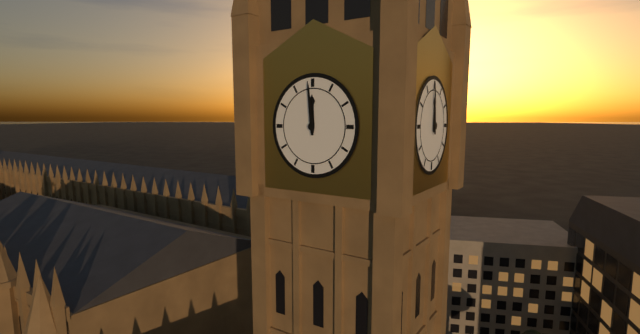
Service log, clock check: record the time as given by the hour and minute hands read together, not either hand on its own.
11:59
